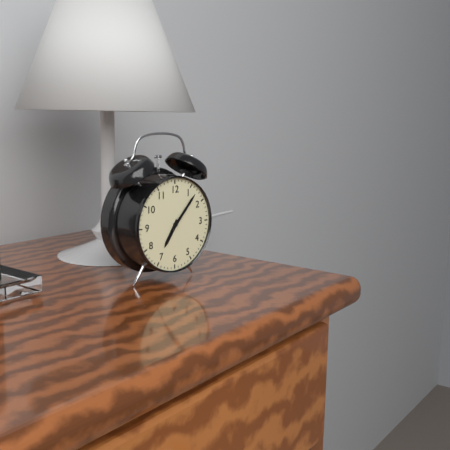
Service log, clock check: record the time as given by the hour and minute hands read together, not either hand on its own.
7:07
